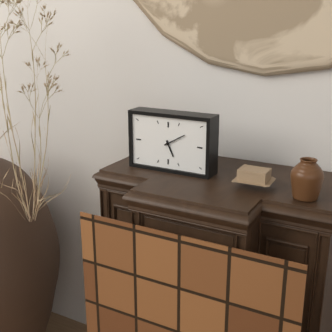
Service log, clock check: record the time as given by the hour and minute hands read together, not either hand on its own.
5:10
